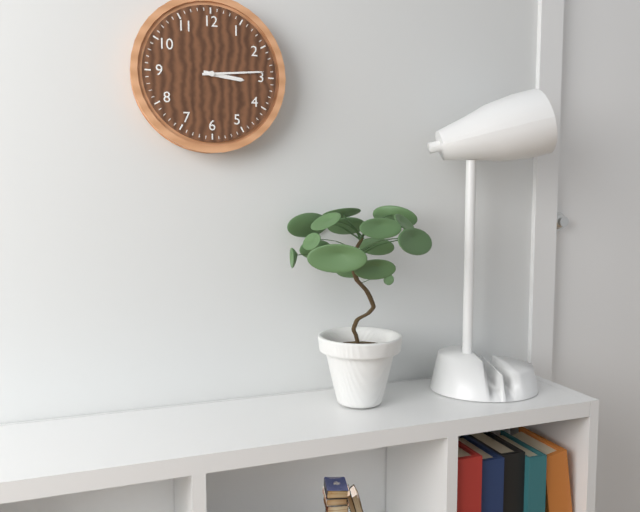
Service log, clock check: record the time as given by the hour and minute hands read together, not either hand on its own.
3:14
